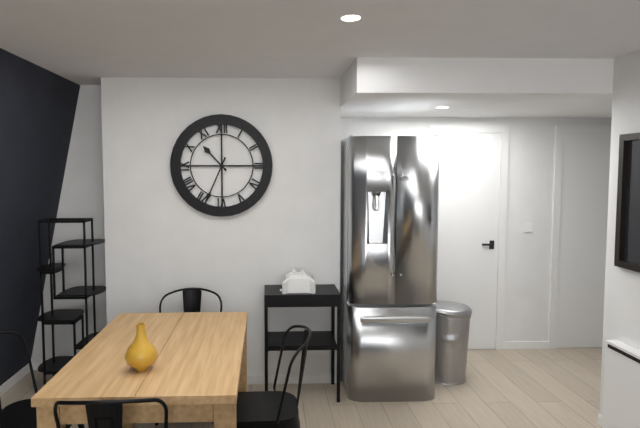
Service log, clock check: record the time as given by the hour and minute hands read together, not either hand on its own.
10:34
